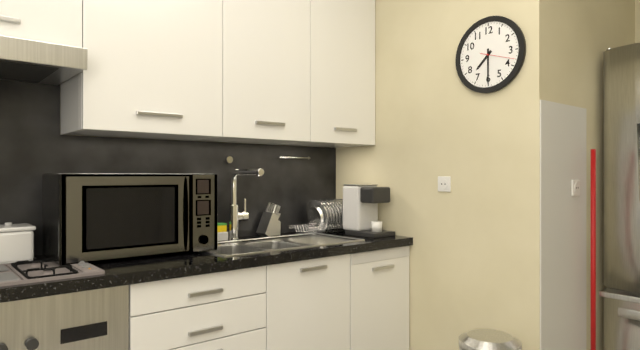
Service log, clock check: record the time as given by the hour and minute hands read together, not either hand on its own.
7:30
